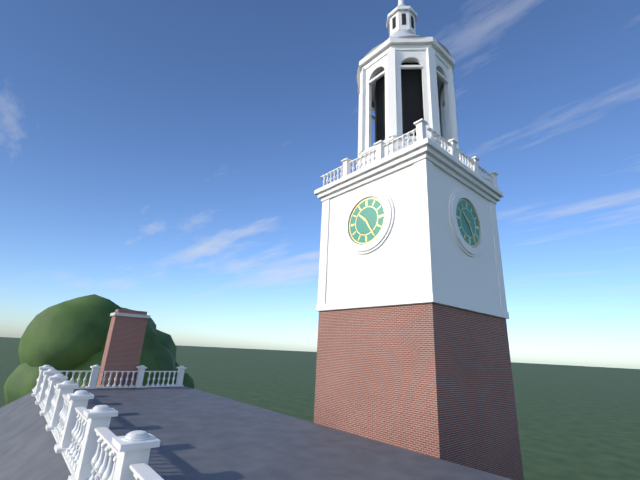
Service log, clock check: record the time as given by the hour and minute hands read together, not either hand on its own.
10:25
